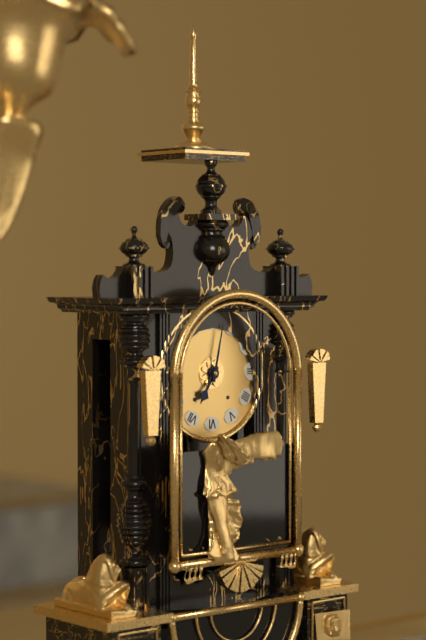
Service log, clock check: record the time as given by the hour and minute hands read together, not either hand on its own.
7:02
